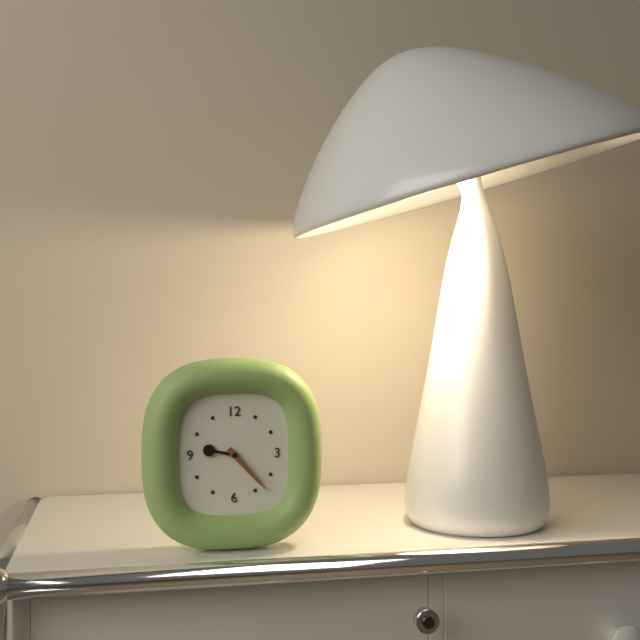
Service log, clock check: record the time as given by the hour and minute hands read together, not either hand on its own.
9:23
